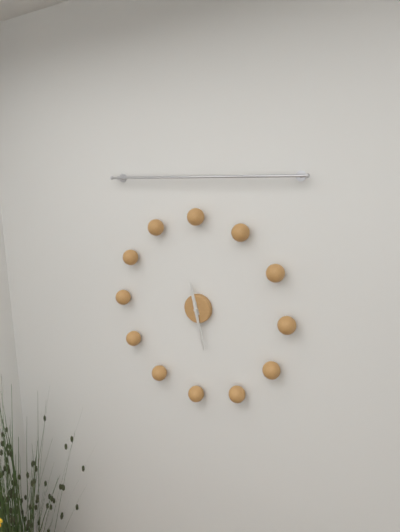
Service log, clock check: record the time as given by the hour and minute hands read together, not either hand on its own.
11:28
